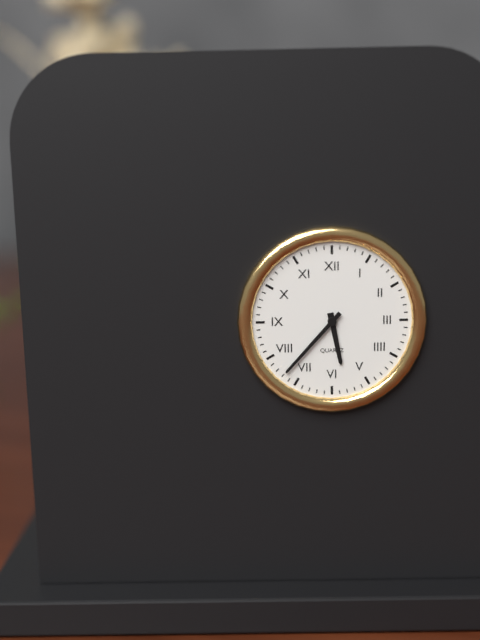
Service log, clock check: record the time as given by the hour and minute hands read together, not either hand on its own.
5:37
